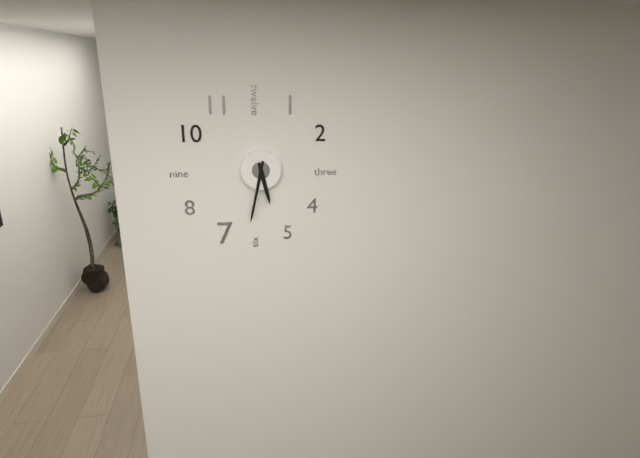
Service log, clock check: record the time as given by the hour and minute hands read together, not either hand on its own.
5:32
